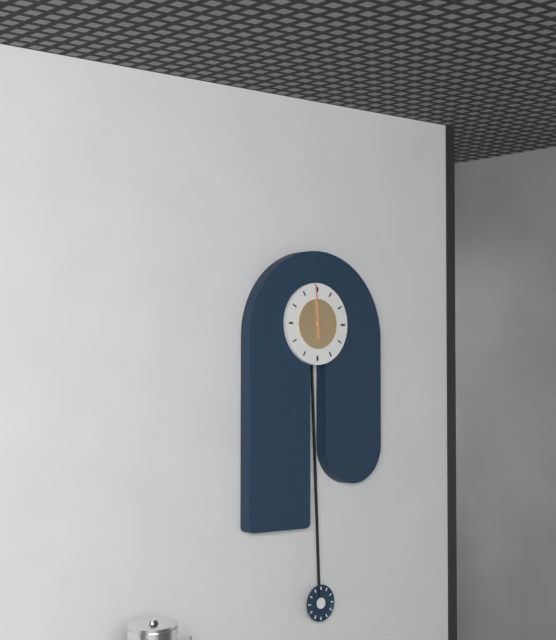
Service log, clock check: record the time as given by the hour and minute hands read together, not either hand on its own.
8:59
